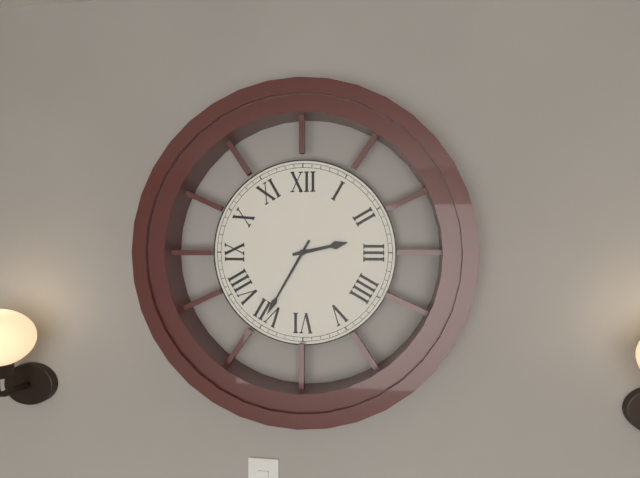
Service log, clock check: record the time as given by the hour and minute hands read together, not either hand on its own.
2:35
